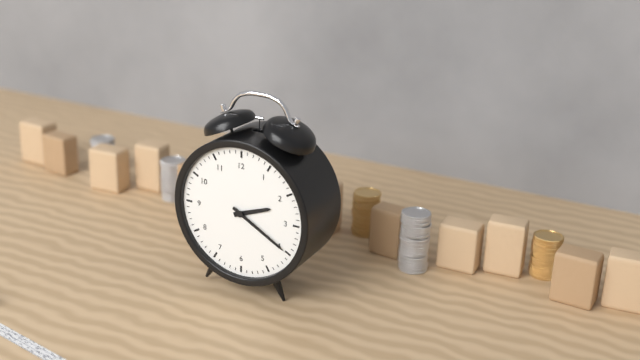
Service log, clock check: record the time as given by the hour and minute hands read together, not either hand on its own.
2:20
